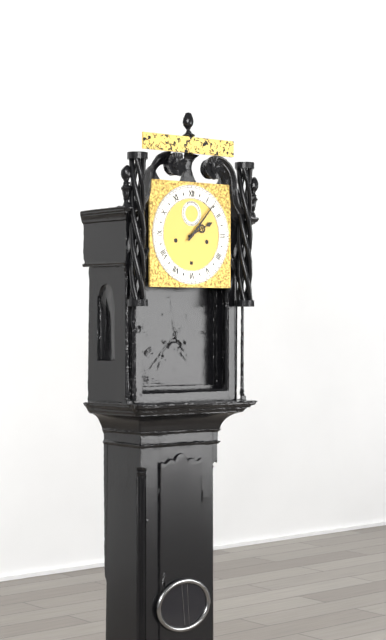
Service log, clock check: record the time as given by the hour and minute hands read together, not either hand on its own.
2:07
